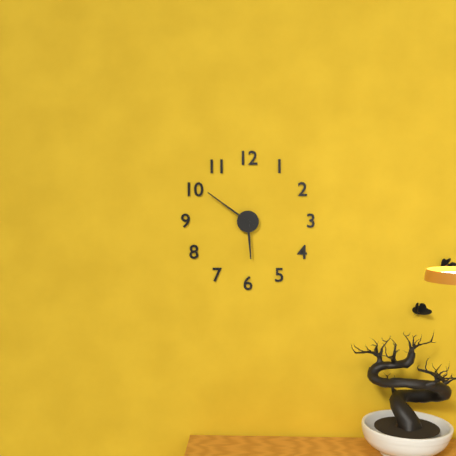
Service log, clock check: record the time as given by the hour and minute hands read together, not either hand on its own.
5:51
